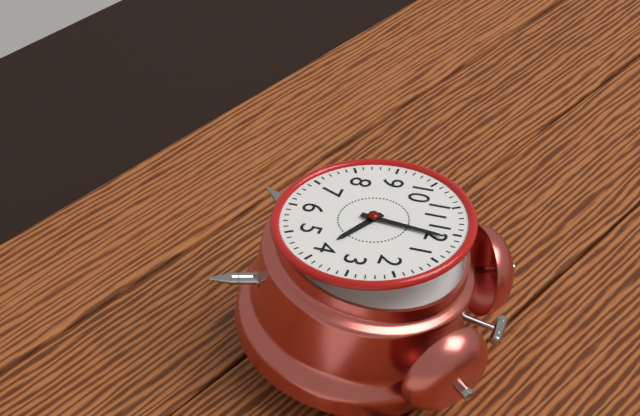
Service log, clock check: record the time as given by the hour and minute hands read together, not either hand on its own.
4:01
